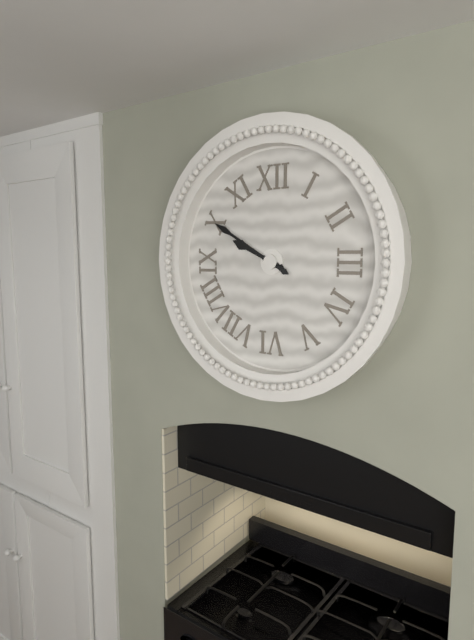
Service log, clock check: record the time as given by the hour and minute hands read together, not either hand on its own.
9:50
